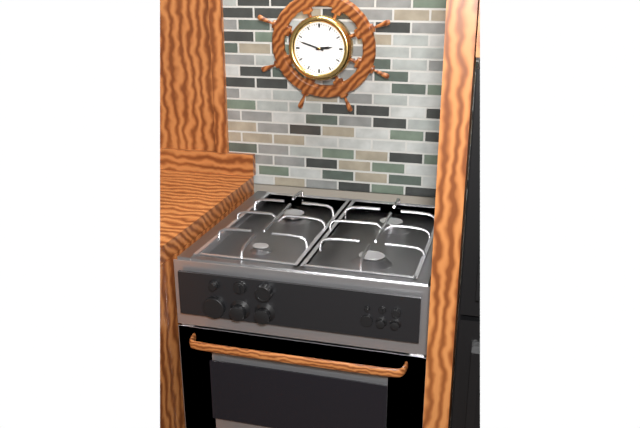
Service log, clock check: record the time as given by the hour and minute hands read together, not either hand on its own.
2:48
